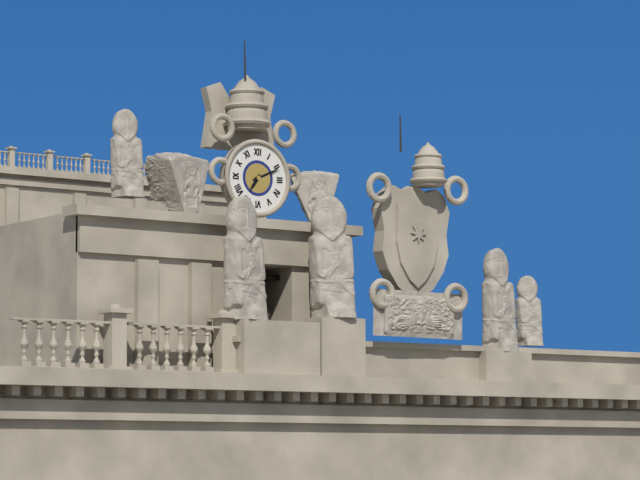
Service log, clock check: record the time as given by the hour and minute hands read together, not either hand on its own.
7:11
